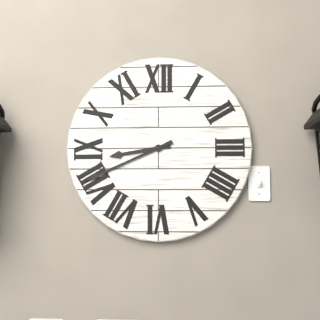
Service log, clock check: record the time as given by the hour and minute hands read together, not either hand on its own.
8:41
